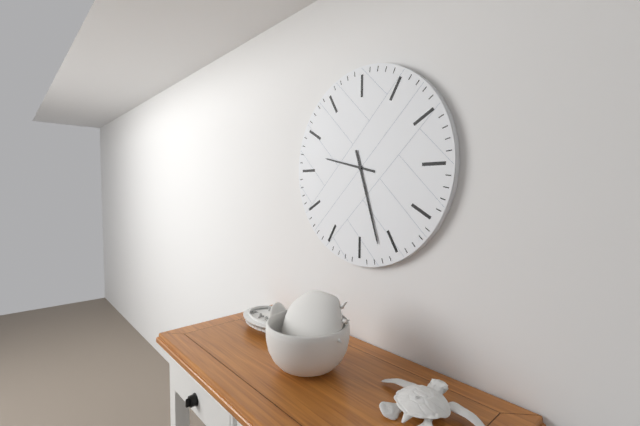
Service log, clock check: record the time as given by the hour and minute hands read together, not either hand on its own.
9:27
